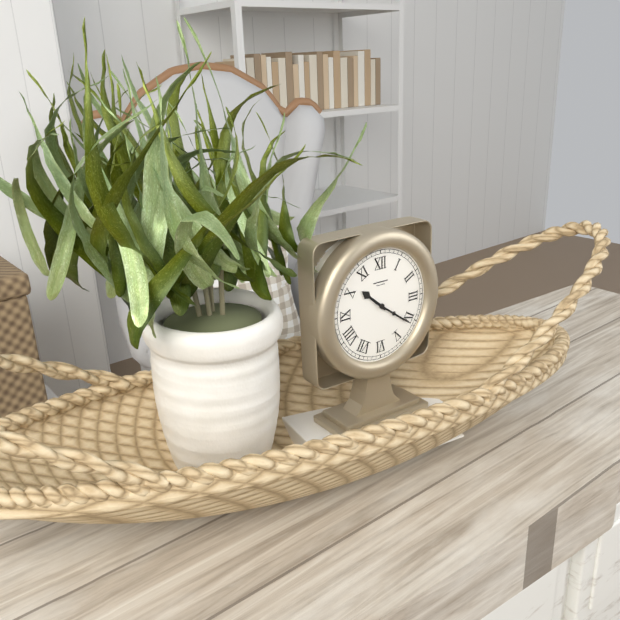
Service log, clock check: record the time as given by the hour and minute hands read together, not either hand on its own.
10:21
